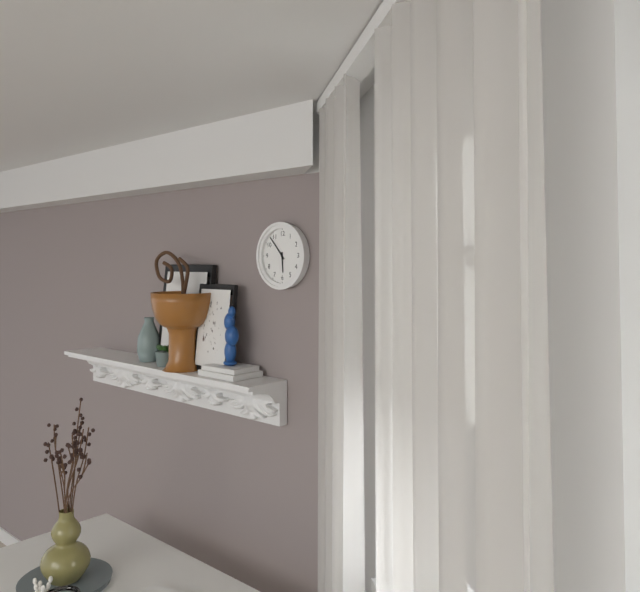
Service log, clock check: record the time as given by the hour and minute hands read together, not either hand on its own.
5:53
